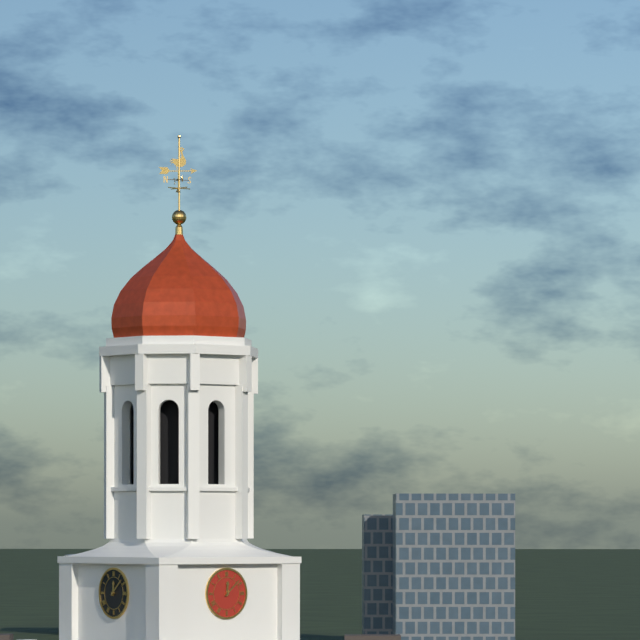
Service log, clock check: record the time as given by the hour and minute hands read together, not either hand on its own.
12:08
